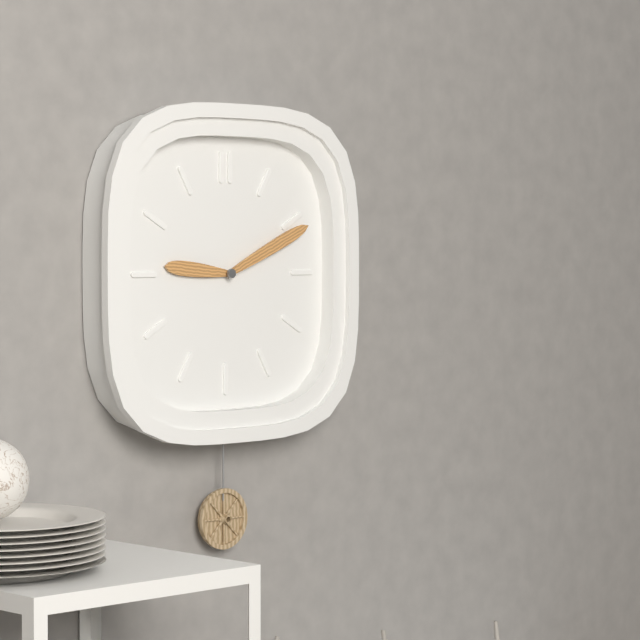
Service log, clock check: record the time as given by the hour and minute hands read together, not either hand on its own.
9:11
